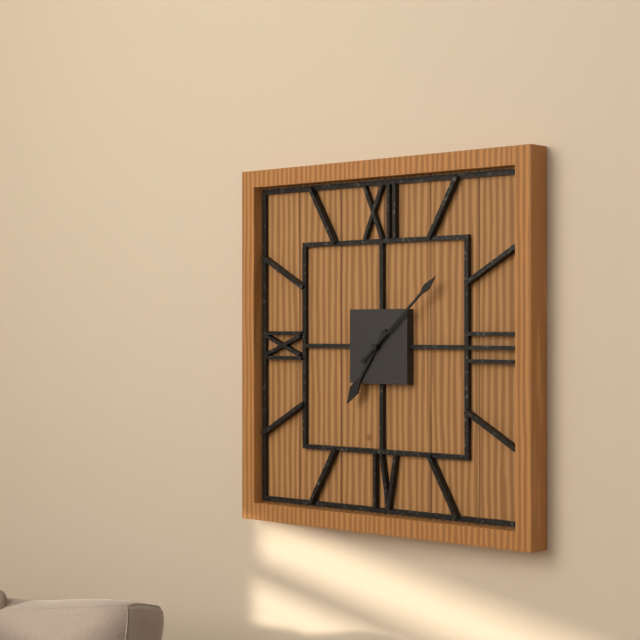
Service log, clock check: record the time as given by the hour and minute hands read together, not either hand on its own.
7:08
